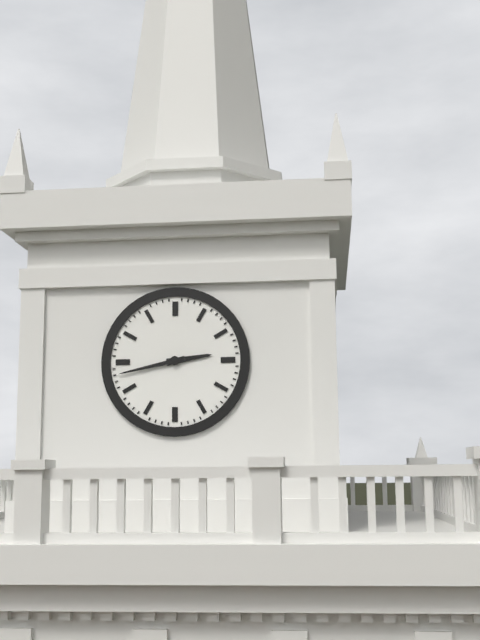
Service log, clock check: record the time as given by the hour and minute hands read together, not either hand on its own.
2:43
